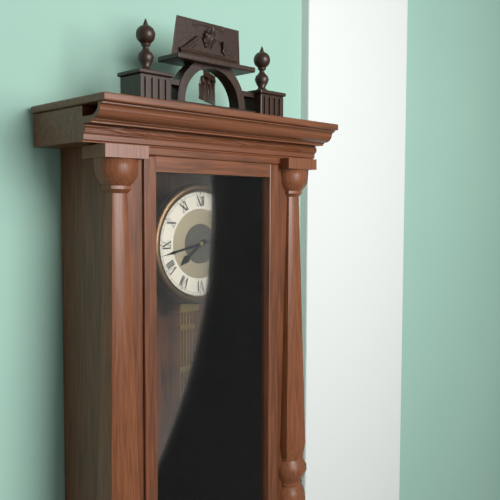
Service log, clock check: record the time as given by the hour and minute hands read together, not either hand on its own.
7:43
